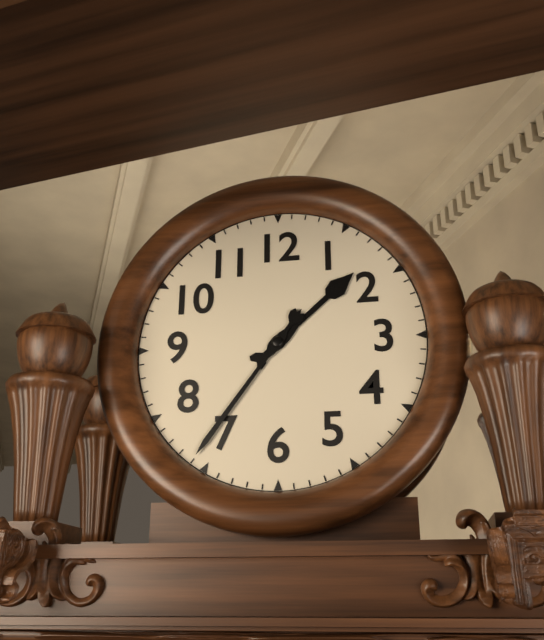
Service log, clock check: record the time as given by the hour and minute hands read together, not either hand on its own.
1:36
